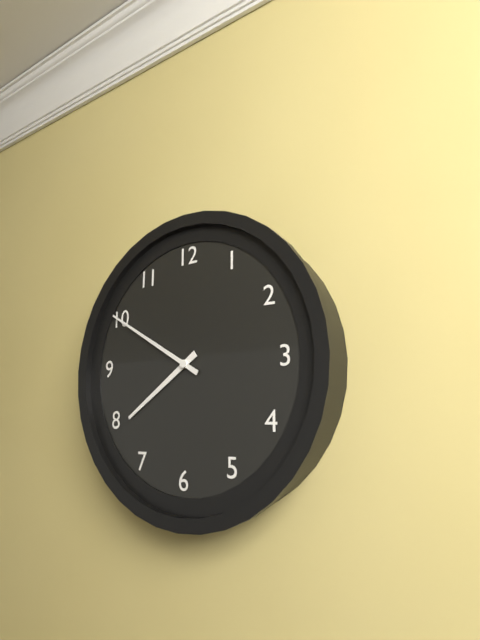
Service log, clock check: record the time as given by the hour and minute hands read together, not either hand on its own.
7:50
